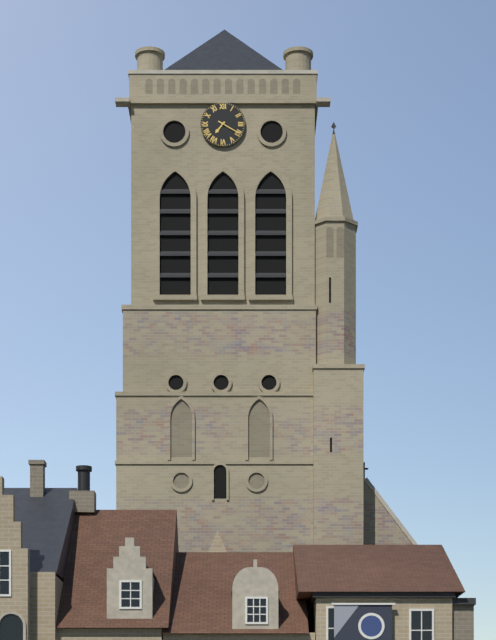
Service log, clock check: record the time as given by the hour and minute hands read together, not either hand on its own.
7:20
